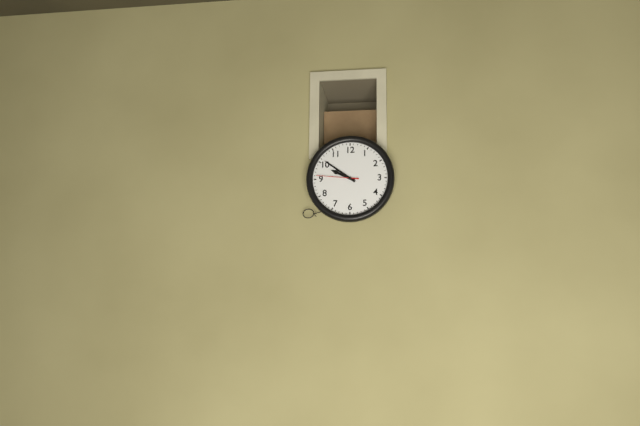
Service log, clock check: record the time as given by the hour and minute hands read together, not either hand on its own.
9:51
